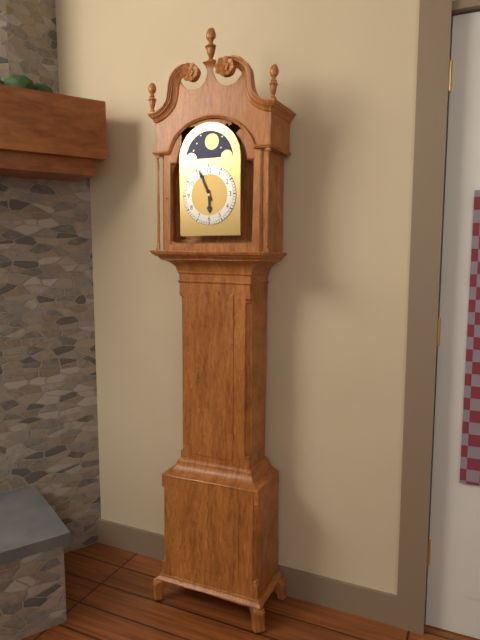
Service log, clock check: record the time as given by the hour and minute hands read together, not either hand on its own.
5:56
